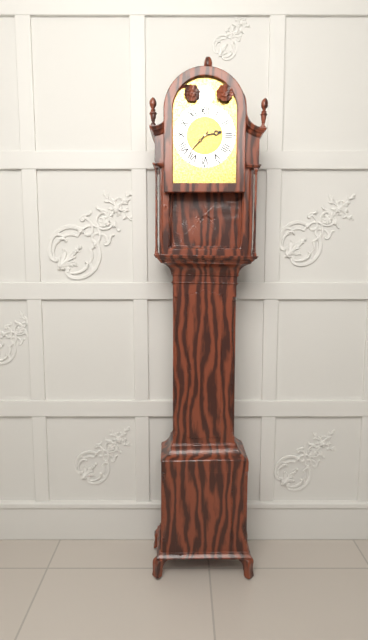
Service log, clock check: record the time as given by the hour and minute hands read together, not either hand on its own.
2:37
